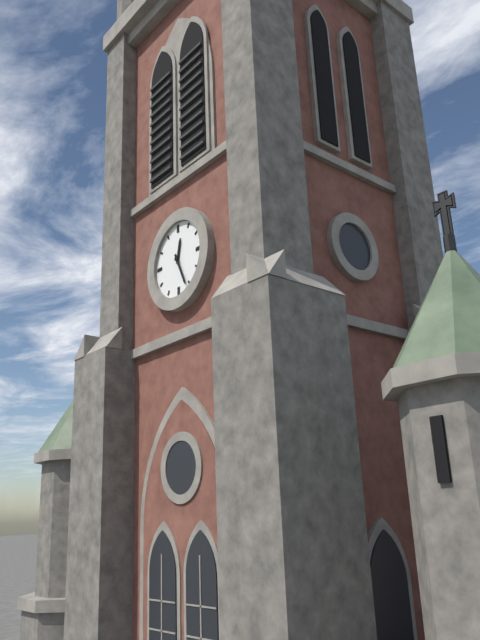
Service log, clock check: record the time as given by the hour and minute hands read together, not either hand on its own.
12:26
